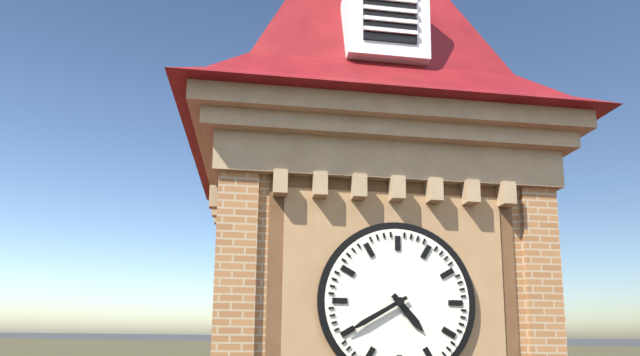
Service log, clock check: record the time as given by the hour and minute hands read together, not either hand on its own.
4:40
